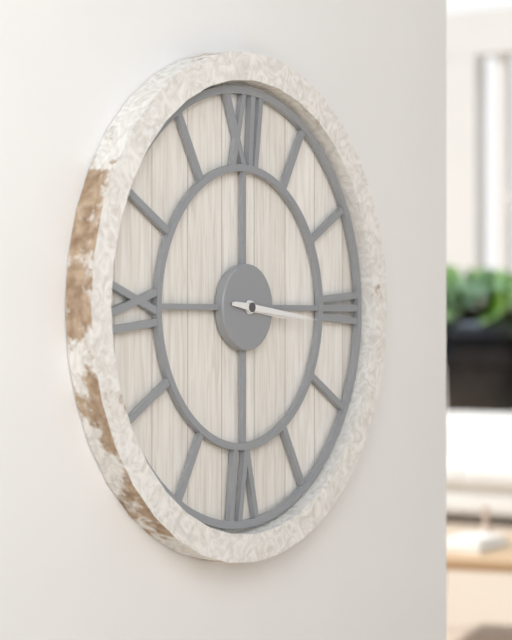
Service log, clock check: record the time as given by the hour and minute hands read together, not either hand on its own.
3:16
